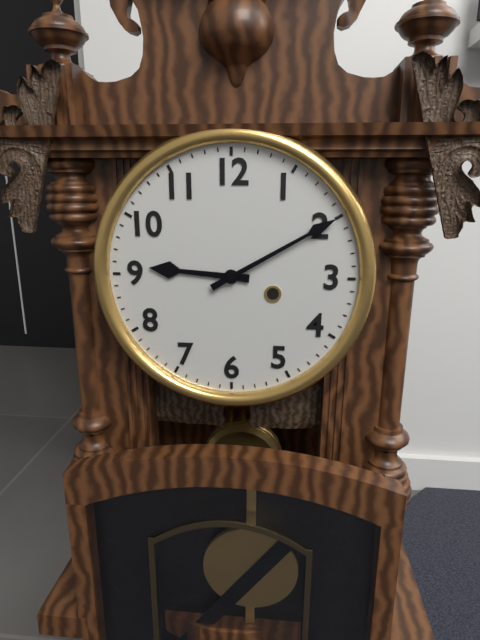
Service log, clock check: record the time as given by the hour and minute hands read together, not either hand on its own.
9:10
